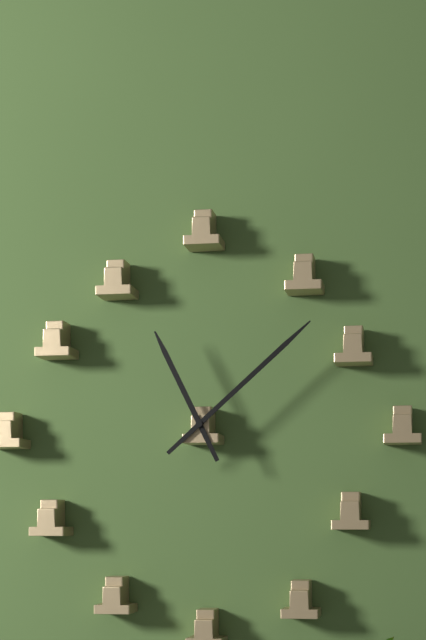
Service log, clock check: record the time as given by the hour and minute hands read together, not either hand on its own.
11:08
